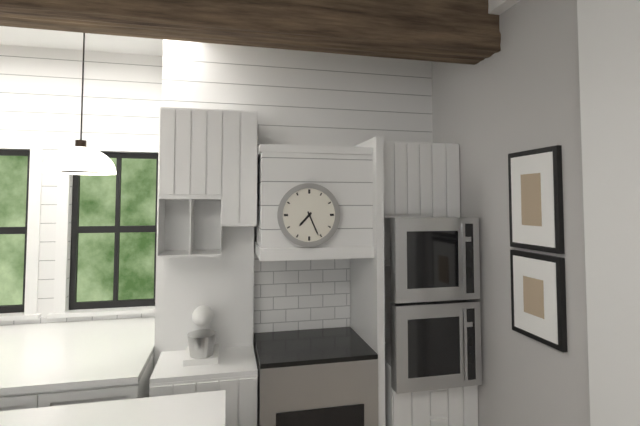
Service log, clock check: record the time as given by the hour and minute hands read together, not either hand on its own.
7:26
